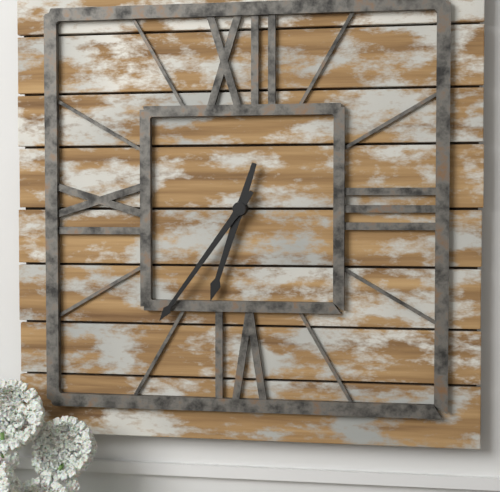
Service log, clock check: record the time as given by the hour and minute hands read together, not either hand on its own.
6:36
